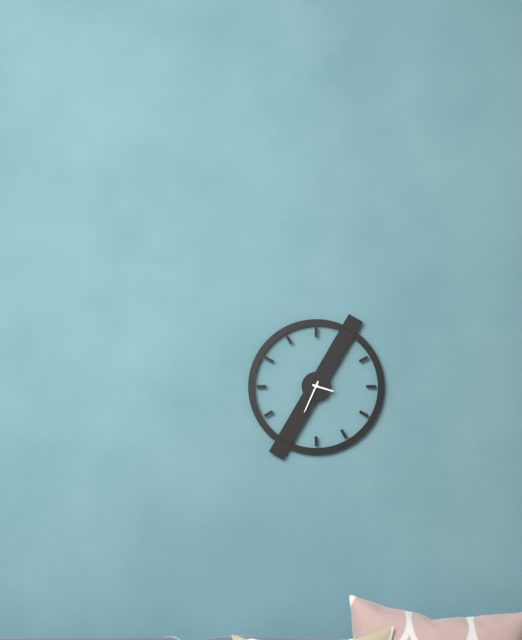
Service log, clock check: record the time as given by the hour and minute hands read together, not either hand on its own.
3:34
